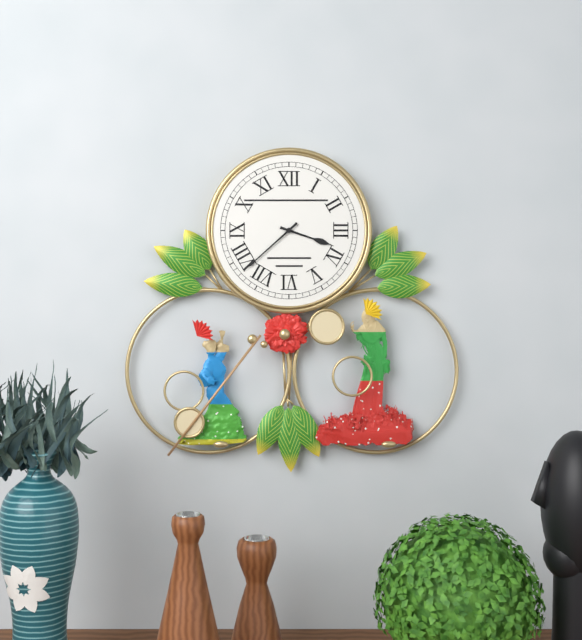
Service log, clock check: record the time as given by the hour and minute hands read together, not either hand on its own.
3:38
